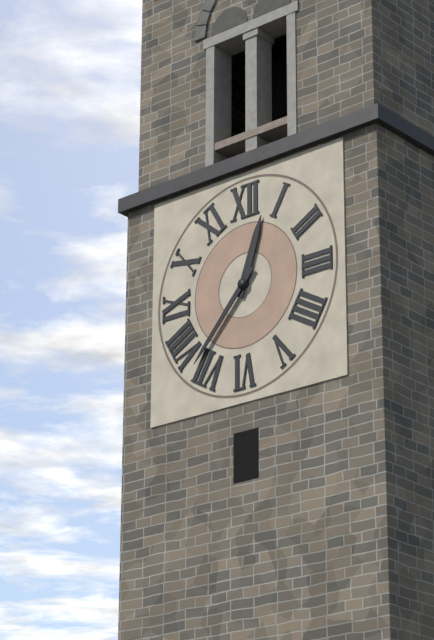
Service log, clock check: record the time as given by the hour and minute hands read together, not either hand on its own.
12:37
